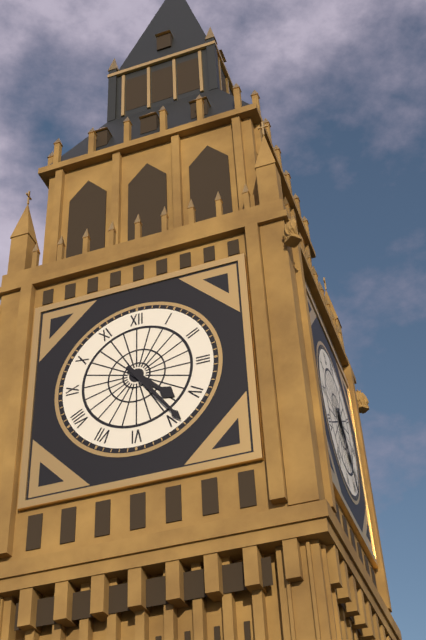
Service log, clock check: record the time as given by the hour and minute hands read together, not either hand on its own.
4:24
